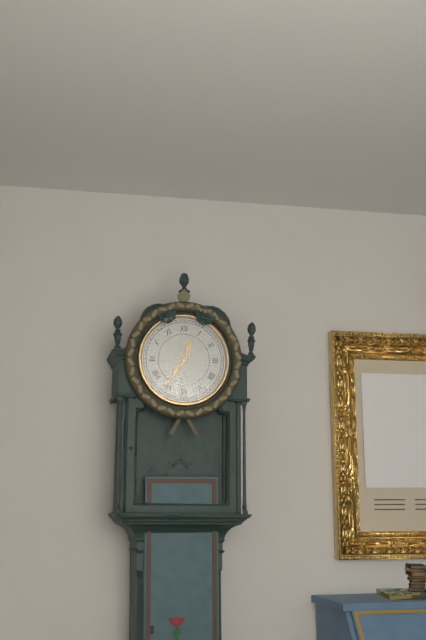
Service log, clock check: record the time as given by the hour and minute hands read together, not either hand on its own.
12:36
